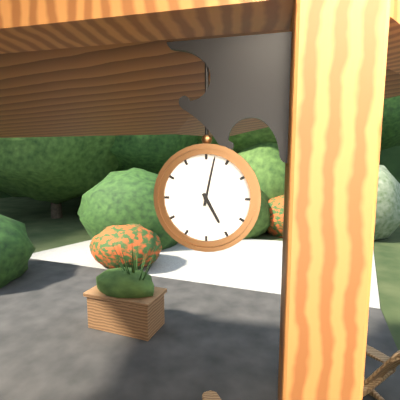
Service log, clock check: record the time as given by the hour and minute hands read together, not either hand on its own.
5:02
